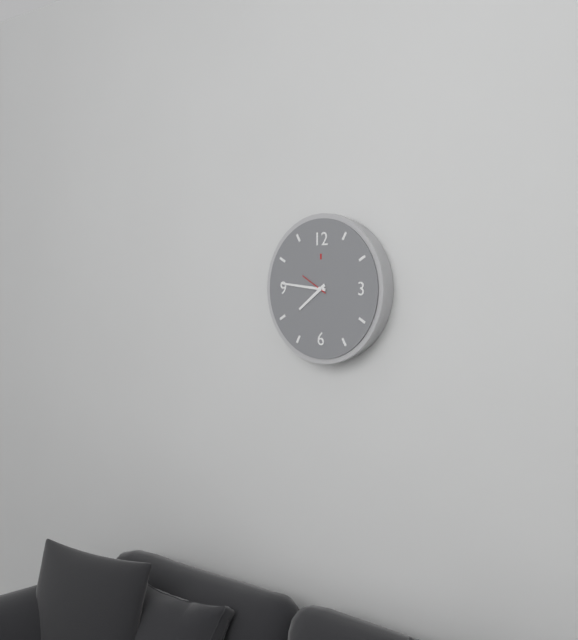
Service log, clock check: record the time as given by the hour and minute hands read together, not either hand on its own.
7:46
